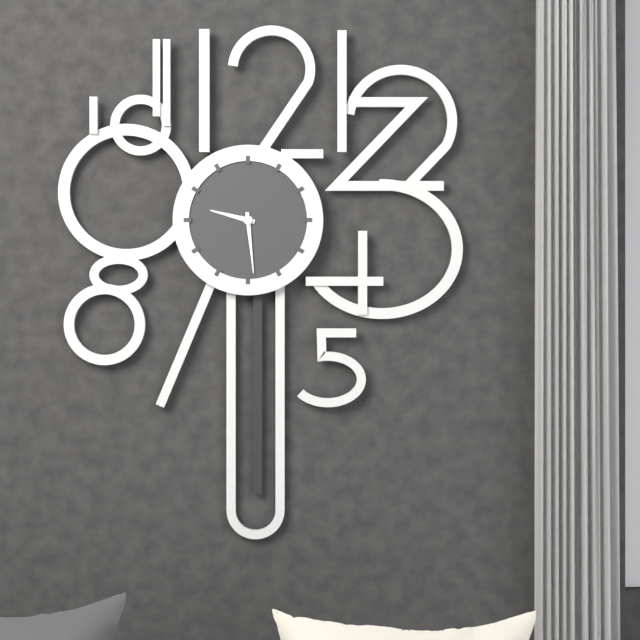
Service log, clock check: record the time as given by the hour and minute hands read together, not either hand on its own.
9:29
